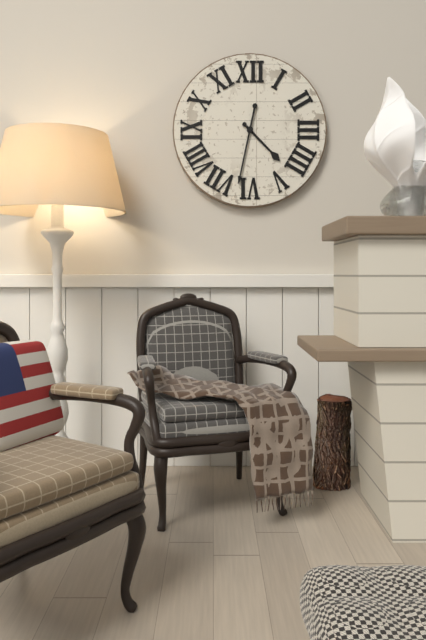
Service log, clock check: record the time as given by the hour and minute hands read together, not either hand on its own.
4:32
